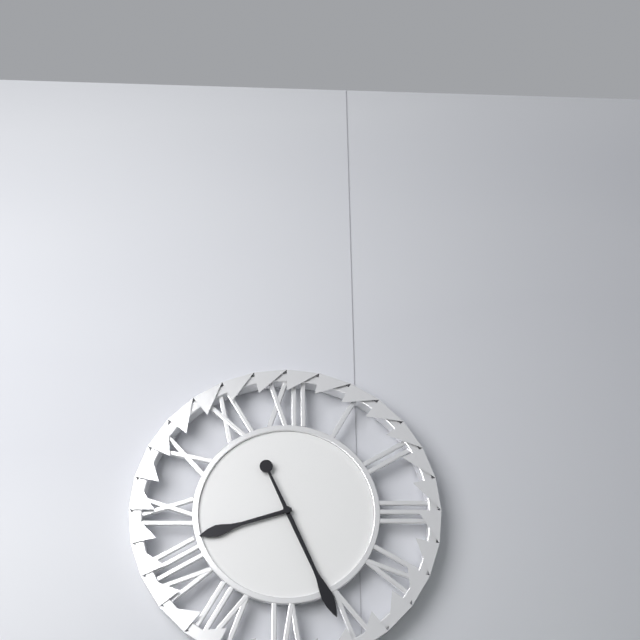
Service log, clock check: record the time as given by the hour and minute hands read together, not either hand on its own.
8:26
